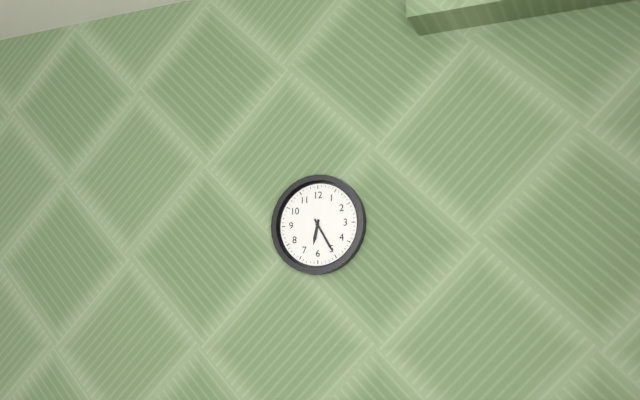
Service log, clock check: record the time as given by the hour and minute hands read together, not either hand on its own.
6:25
